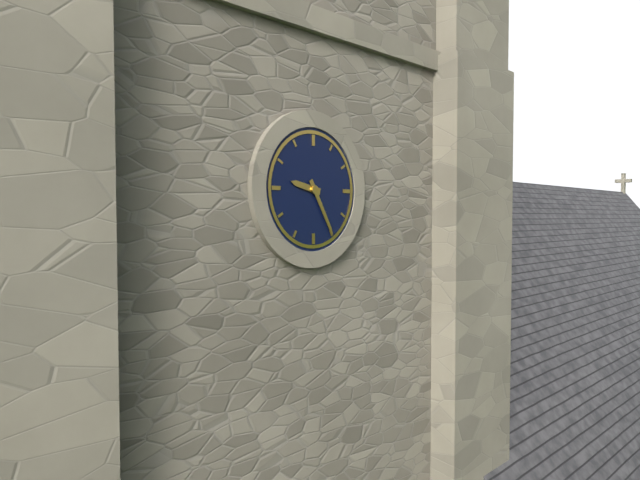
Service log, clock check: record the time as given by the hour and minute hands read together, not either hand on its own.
9:25
